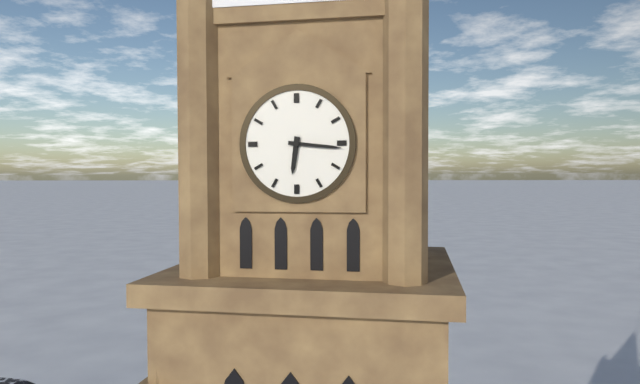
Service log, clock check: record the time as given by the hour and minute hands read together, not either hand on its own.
6:16
